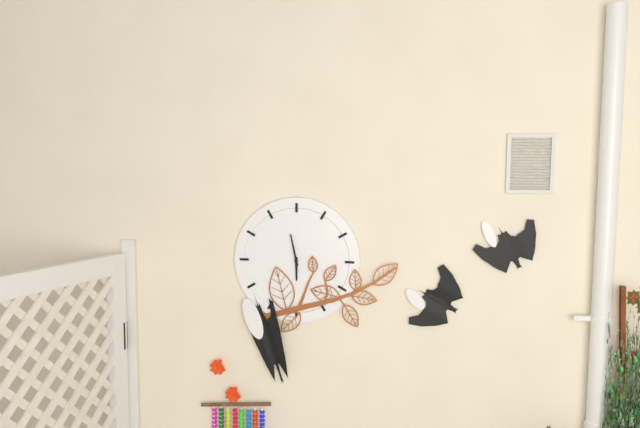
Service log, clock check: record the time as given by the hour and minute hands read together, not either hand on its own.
5:58
